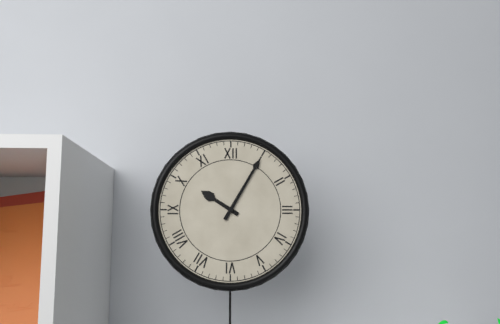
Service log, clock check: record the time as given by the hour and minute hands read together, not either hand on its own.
10:05
